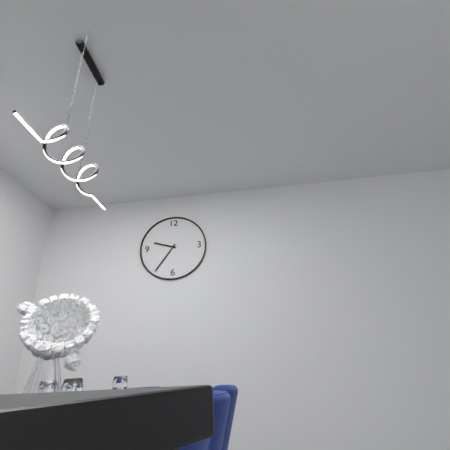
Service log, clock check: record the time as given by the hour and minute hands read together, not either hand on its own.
9:36
